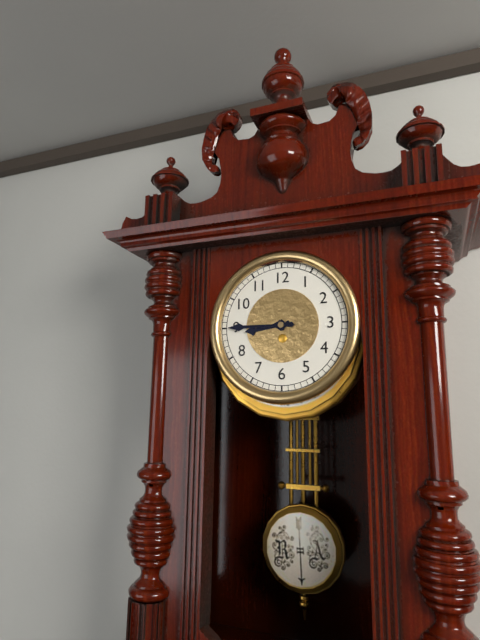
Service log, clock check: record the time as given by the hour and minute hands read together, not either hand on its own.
8:45
